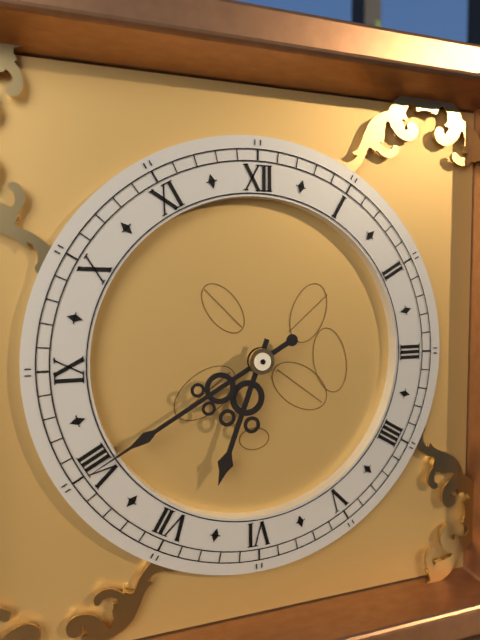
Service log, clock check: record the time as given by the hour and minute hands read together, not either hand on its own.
6:40
